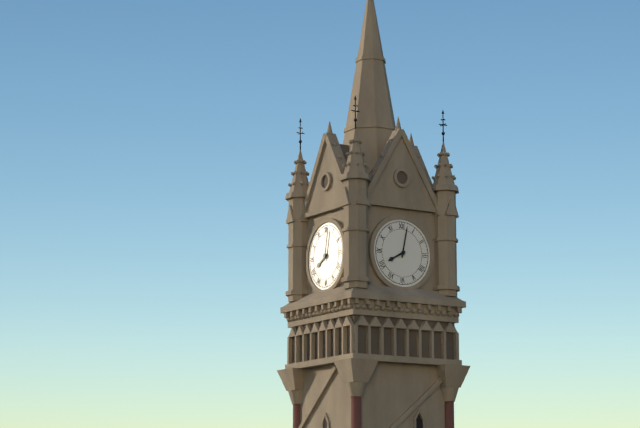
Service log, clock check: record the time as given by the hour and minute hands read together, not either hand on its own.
8:02
